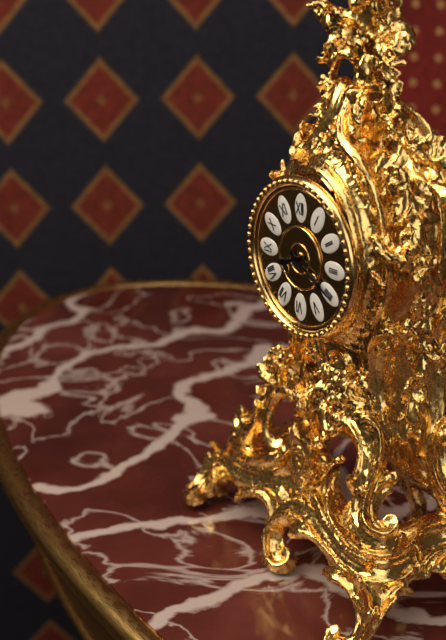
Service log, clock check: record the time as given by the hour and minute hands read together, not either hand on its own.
8:20
